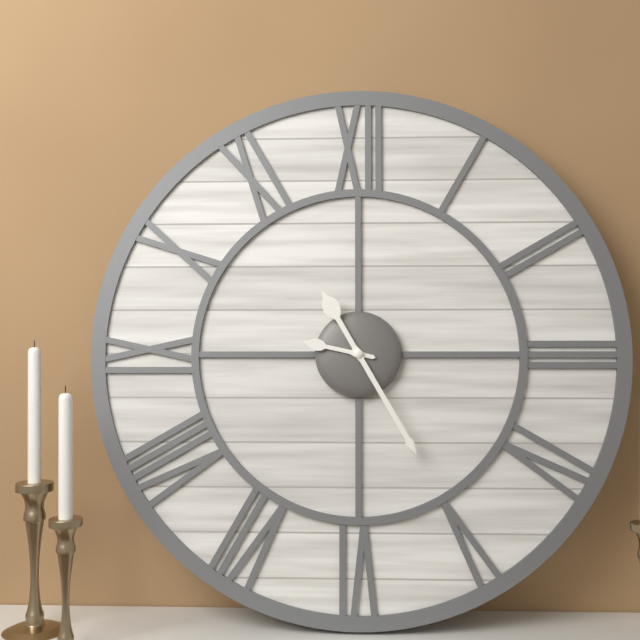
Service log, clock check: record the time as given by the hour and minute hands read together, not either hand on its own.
9:25
